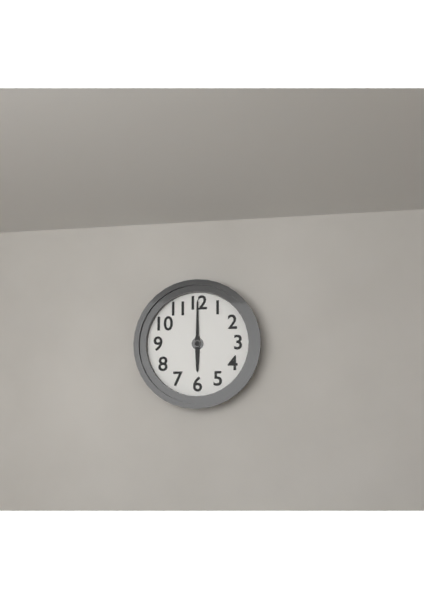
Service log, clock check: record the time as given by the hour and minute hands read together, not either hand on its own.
6:00
